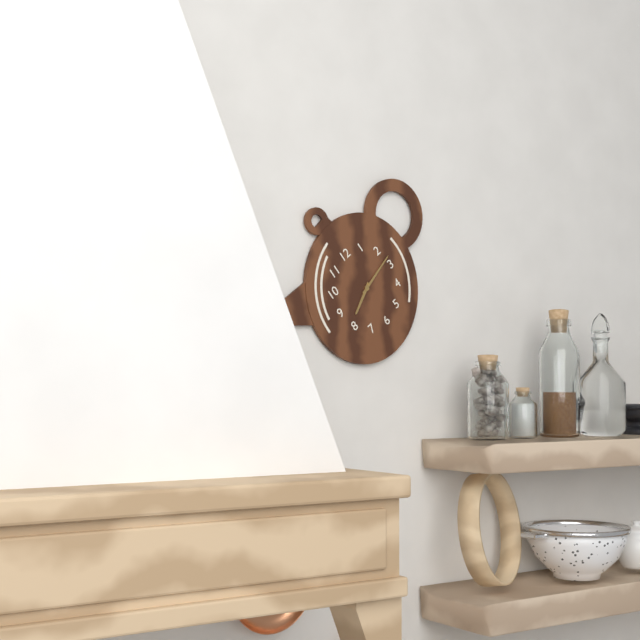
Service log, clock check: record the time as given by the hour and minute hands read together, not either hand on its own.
8:13
